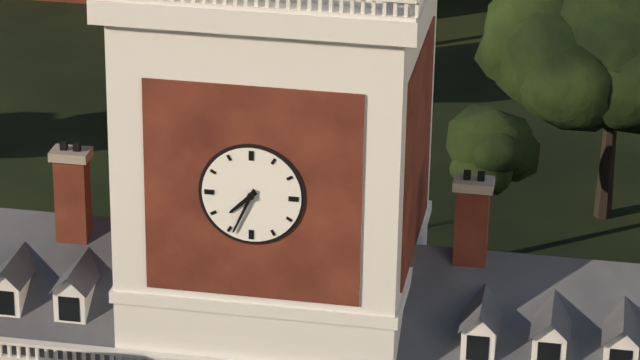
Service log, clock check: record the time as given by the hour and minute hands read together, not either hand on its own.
7:34
